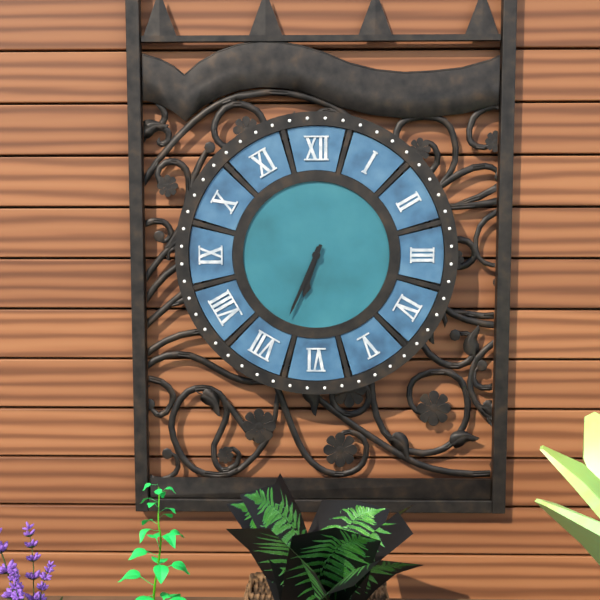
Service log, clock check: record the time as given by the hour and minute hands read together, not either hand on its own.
6:34
